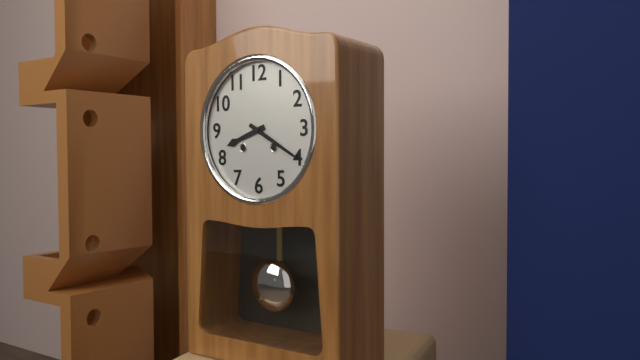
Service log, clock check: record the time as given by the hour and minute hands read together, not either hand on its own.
8:20
